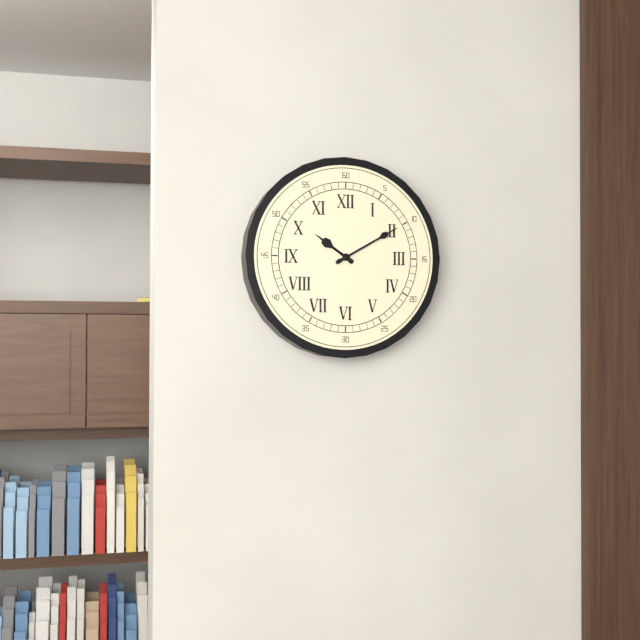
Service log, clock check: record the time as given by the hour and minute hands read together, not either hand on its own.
10:10
